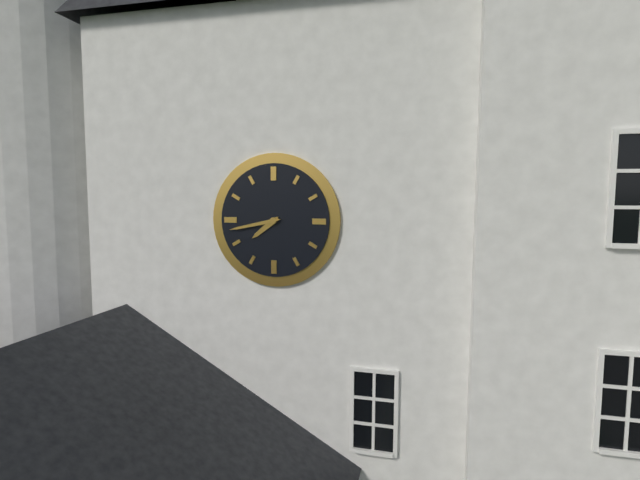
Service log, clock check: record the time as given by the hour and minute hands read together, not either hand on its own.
7:43
